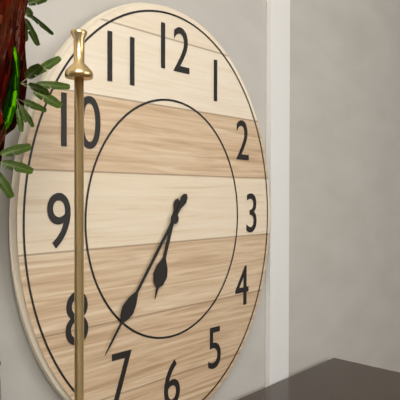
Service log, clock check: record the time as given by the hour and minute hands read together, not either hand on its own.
6:36
